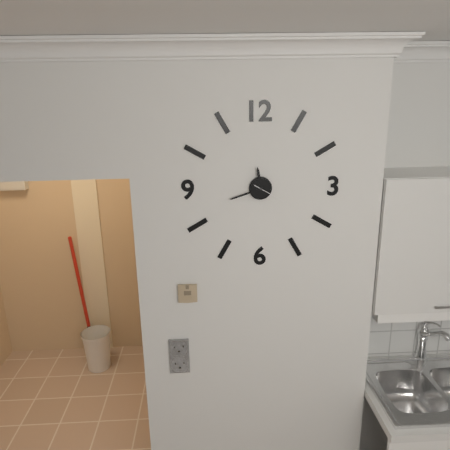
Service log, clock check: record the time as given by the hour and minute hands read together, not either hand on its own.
11:42
